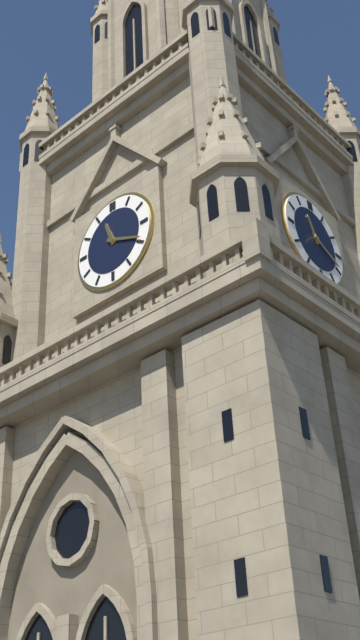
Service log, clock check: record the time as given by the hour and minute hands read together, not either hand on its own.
11:19
